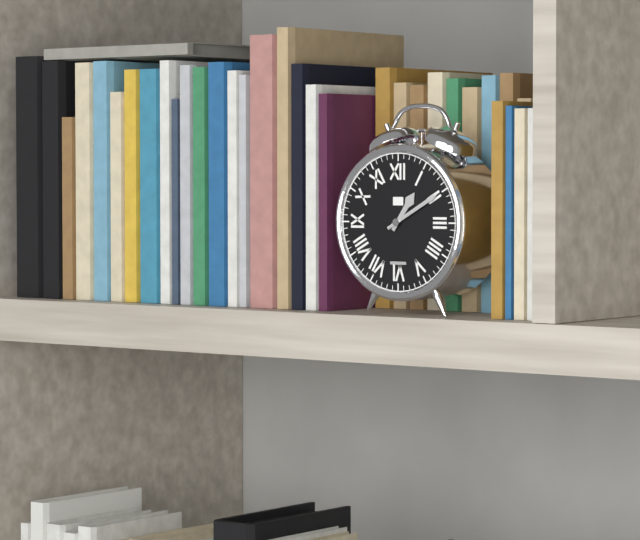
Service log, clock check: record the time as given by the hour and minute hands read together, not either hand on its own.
1:10
